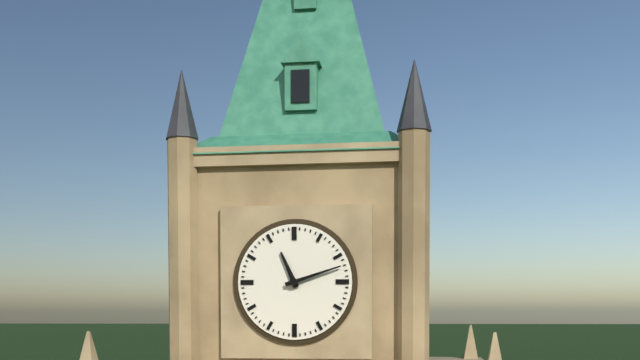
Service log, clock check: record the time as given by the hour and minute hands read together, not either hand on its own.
11:12
